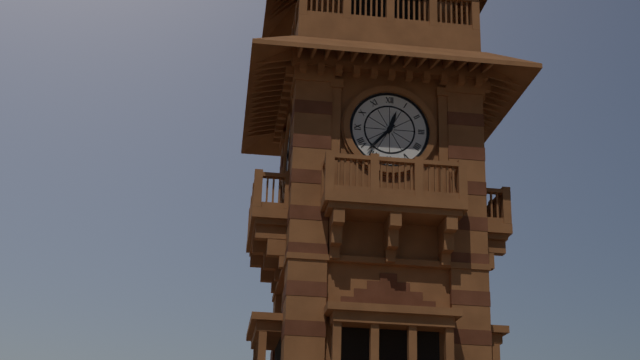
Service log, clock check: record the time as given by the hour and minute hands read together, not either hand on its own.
12:37
